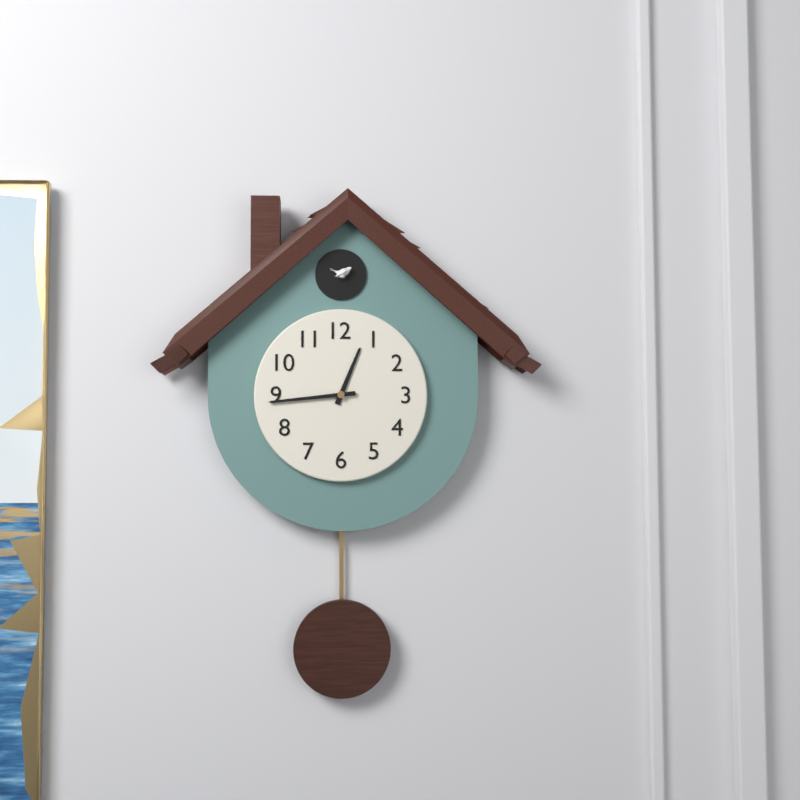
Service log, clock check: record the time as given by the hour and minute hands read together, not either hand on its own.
12:44
